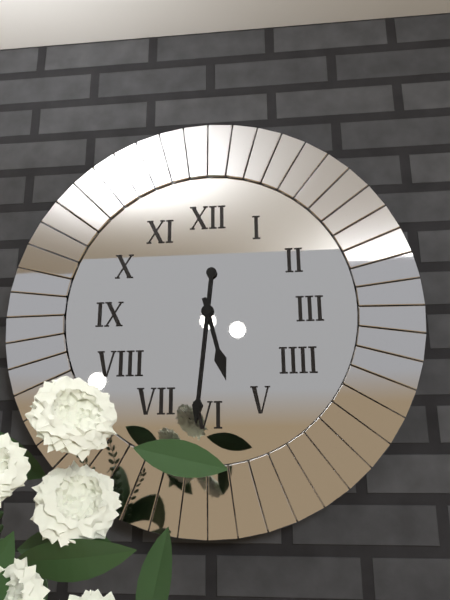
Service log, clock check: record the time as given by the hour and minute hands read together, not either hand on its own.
5:31
